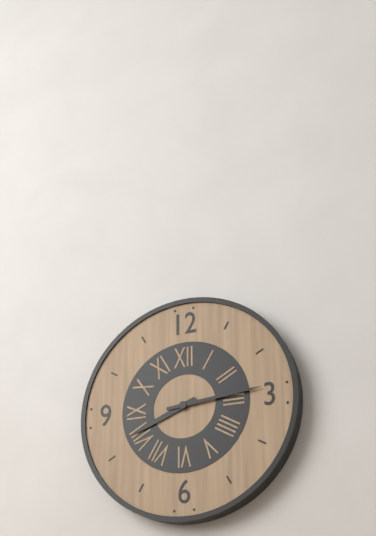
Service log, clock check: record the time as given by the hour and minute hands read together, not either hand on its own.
8:14
